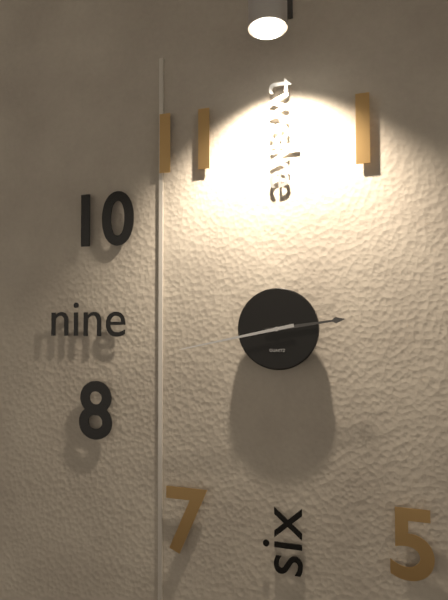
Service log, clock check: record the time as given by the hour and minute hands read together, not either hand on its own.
2:43
